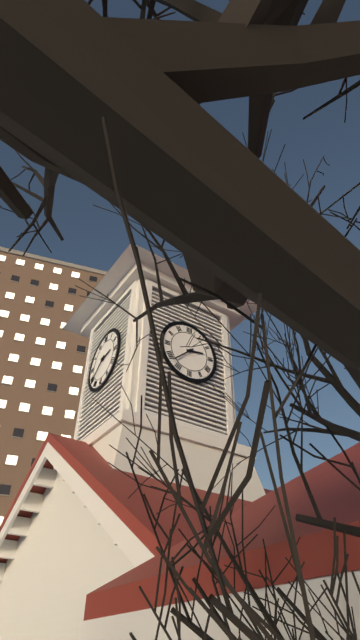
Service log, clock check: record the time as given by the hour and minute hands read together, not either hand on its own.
2:38
